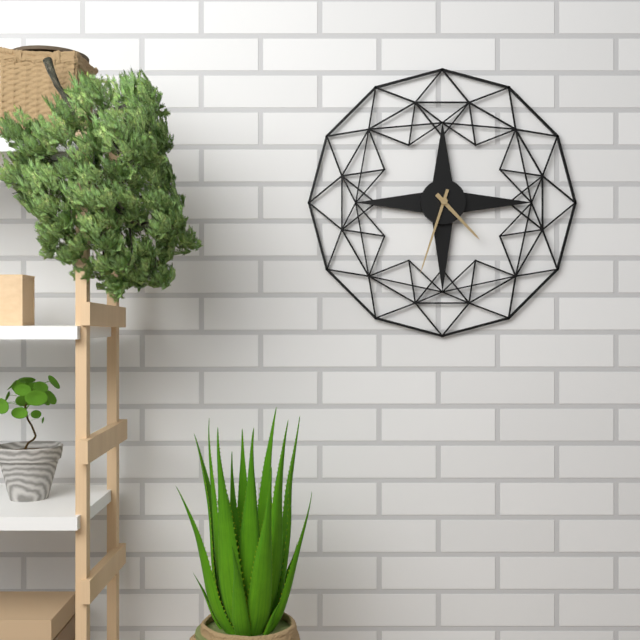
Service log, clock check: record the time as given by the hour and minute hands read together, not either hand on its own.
4:33
